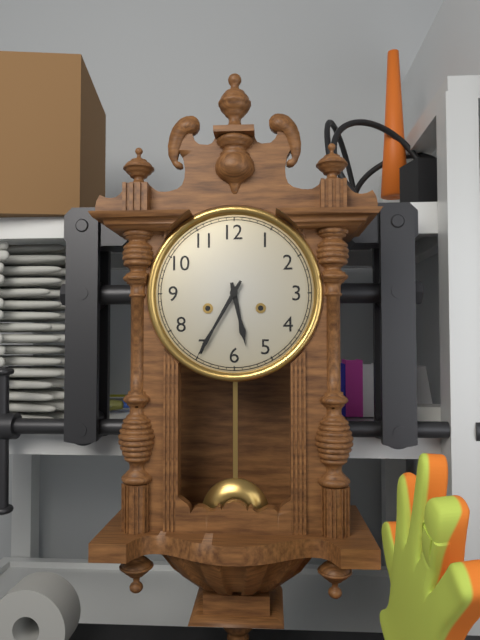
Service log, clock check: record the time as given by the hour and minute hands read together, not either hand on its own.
5:35
